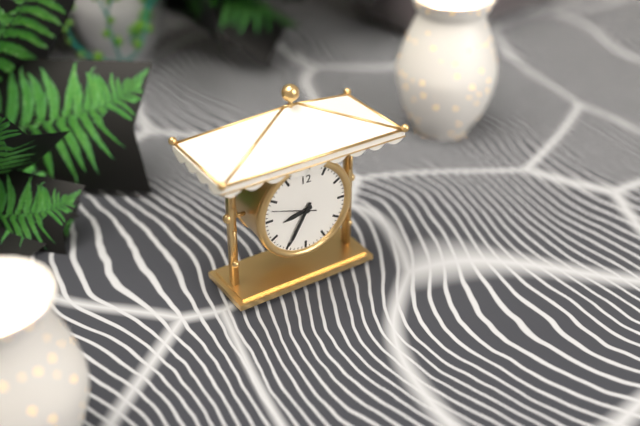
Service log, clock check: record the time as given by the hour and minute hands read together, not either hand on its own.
8:35
